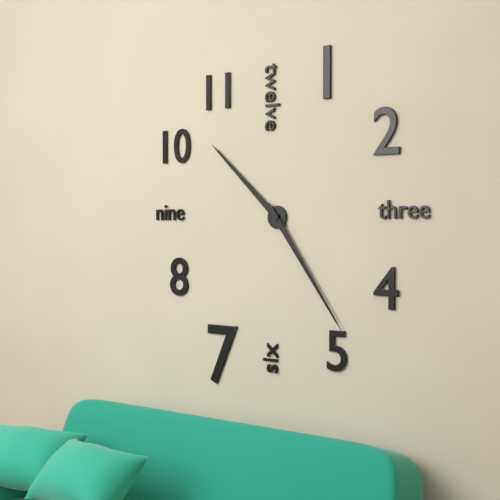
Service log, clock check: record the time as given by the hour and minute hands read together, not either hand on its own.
10:24
